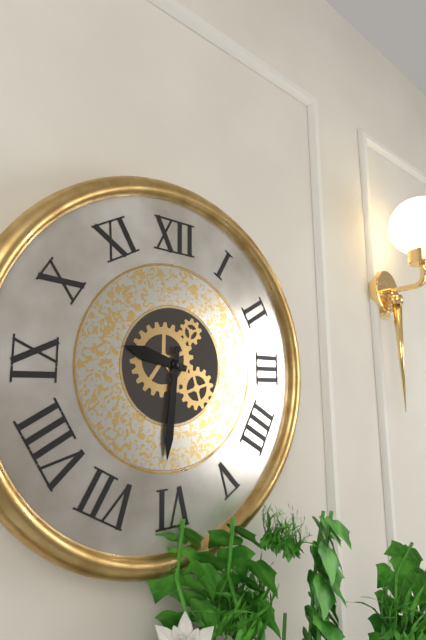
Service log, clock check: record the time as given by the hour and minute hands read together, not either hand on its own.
9:31
